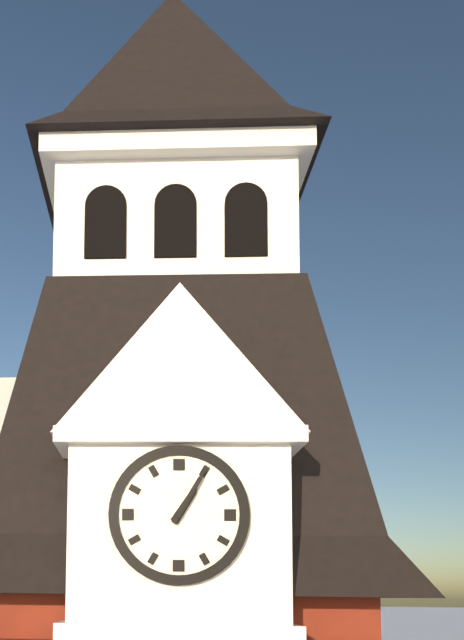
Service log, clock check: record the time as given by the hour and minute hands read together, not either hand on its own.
1:05
